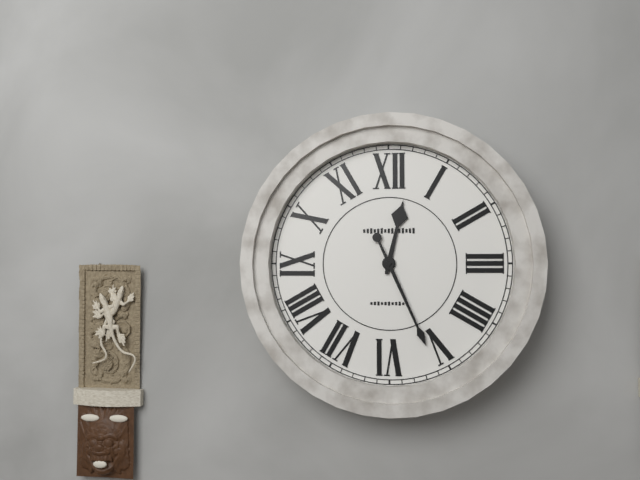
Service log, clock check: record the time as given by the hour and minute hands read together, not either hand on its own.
12:26
